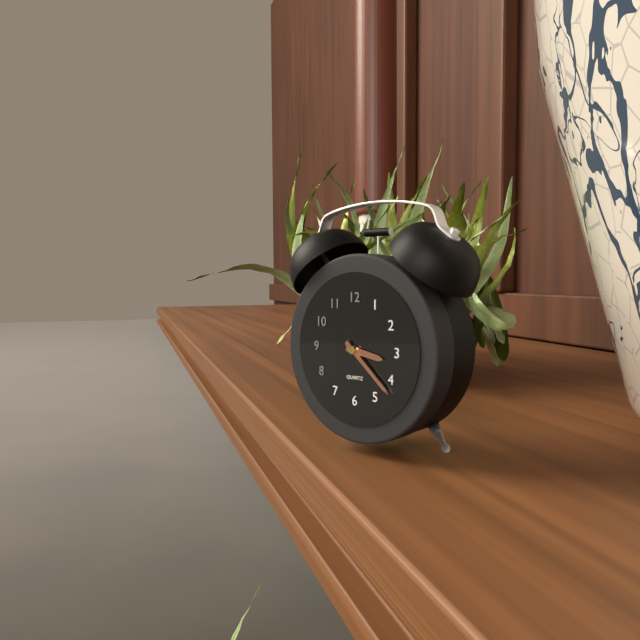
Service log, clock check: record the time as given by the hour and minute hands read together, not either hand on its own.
3:22
